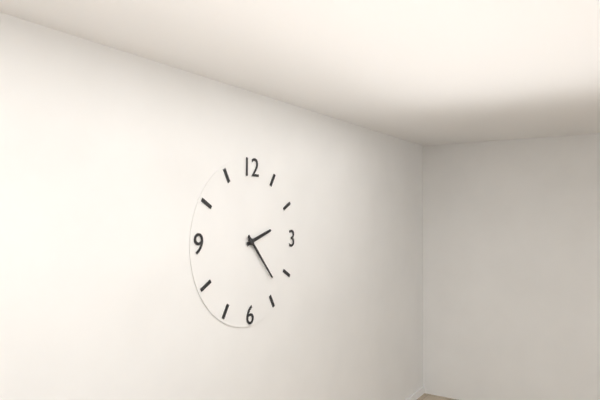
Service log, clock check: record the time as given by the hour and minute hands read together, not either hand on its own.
2:23
